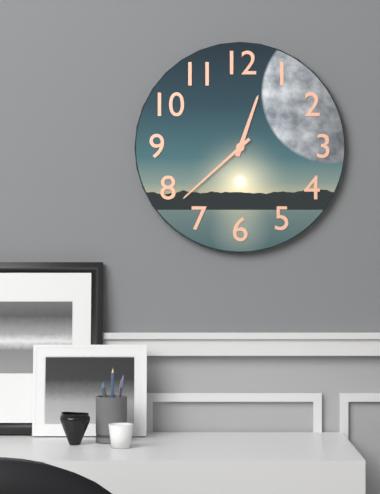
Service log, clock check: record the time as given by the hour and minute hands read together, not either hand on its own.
12:38
